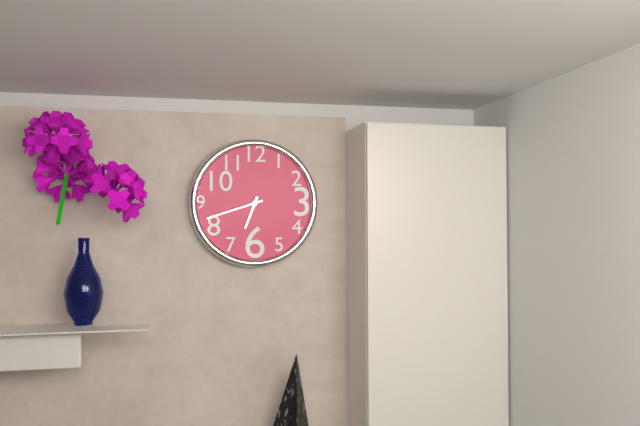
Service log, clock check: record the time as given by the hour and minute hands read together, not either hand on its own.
6:42
